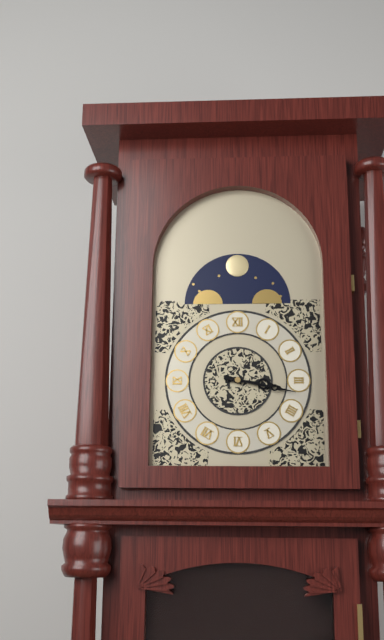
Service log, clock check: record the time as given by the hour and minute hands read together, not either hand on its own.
3:17
